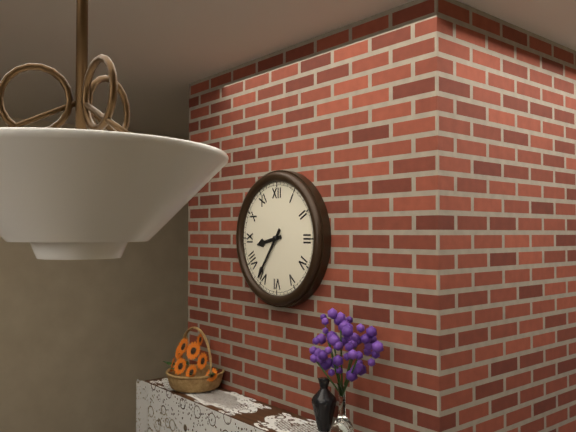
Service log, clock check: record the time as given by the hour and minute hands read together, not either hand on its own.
8:36
